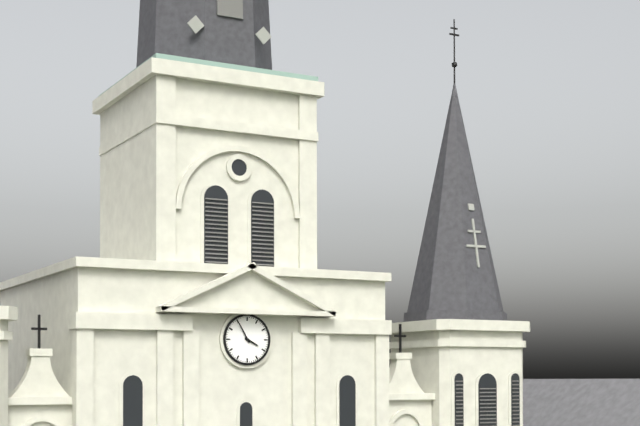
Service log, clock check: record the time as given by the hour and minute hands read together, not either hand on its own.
3:55
